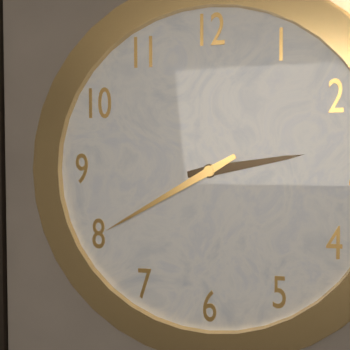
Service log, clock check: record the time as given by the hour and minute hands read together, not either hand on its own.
2:40
